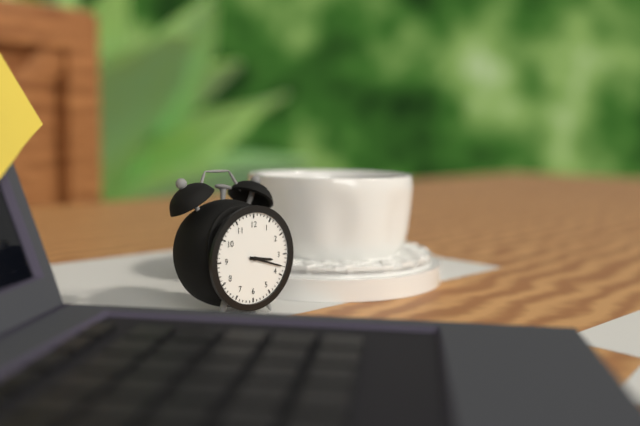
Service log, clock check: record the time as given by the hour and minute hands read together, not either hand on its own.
3:18
